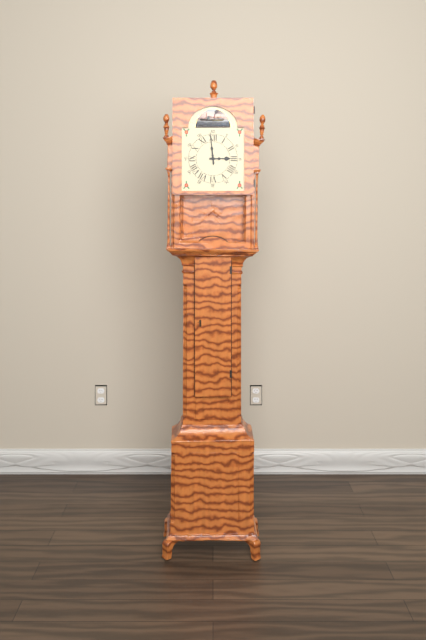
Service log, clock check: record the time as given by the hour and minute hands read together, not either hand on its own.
2:59
